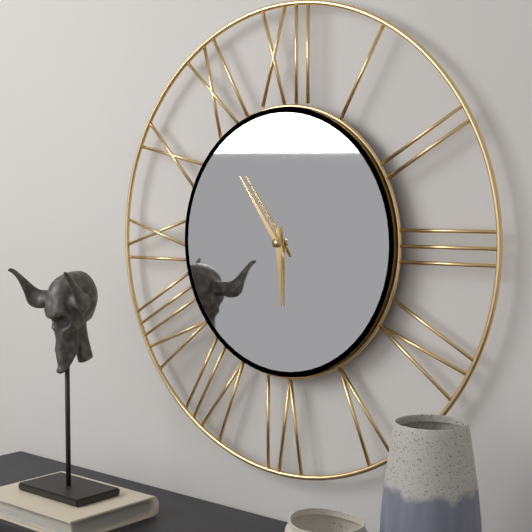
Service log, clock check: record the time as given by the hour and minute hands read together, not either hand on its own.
5:54
